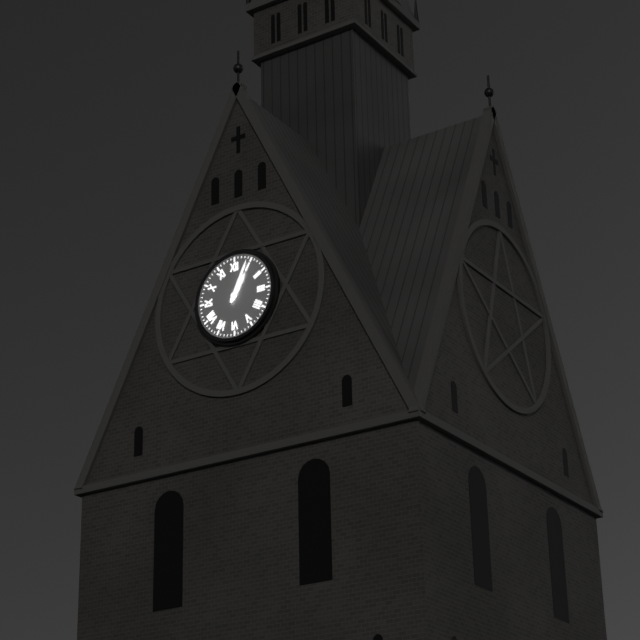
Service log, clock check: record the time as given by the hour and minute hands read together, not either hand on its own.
1:04
